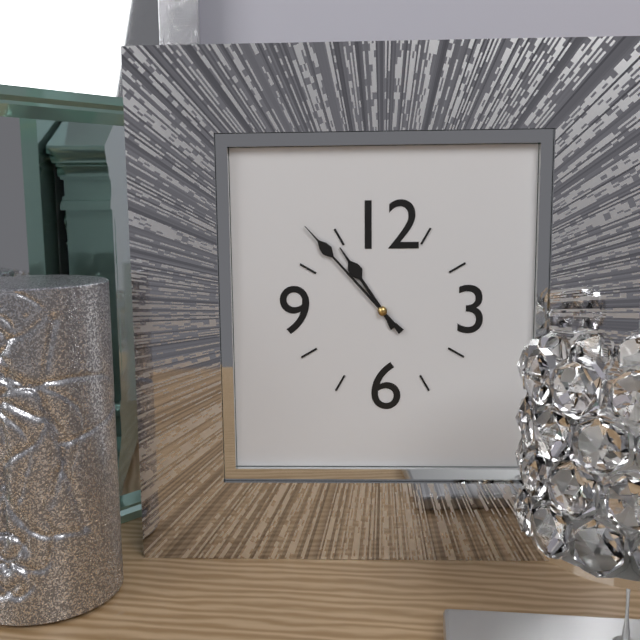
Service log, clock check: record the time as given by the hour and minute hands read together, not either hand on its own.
10:53
